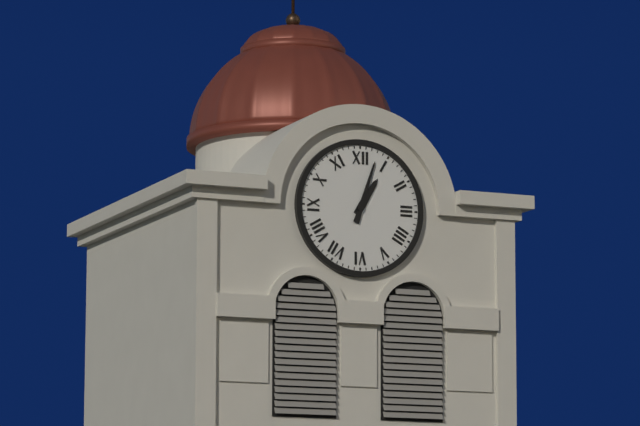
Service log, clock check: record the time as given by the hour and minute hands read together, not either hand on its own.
1:03
